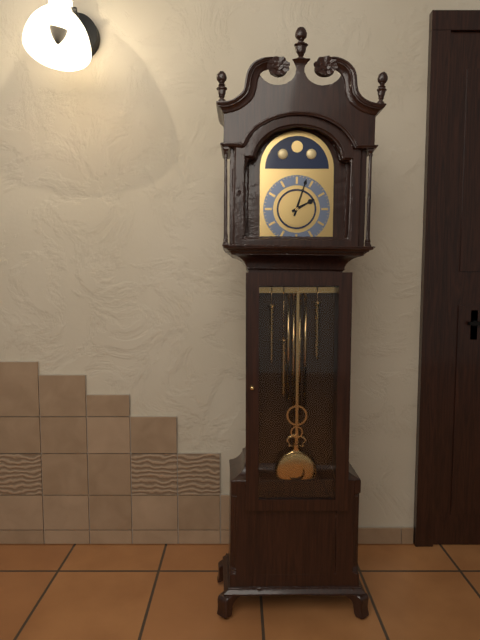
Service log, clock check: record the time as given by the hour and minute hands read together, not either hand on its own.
2:03
